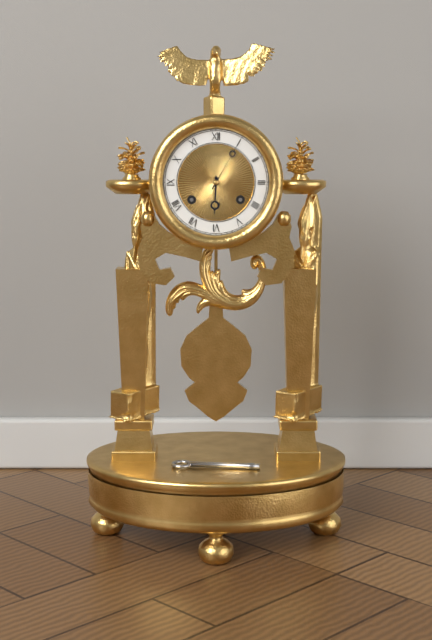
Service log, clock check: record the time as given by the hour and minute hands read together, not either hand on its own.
6:05
